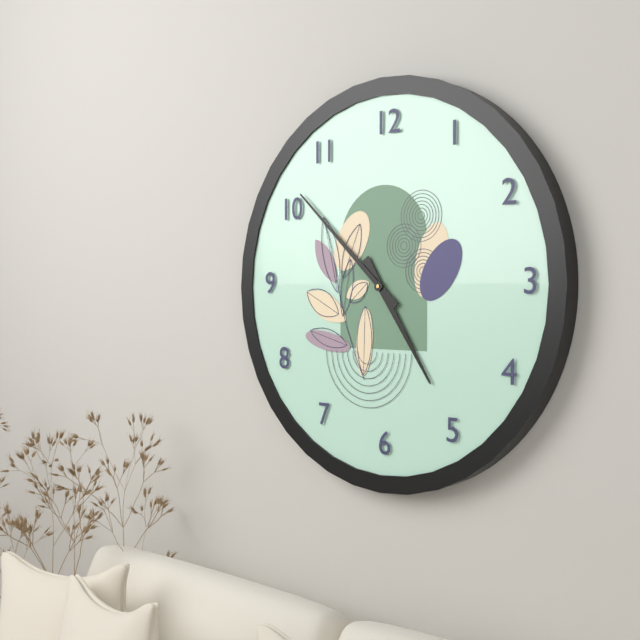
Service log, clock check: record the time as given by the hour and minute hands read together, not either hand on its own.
4:52
